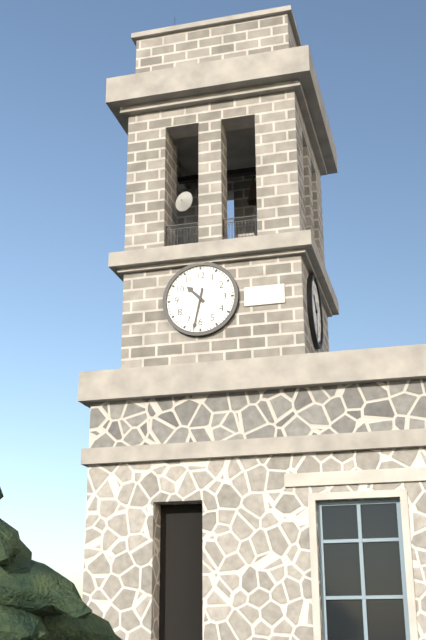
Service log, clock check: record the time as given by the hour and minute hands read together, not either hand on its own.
10:32
